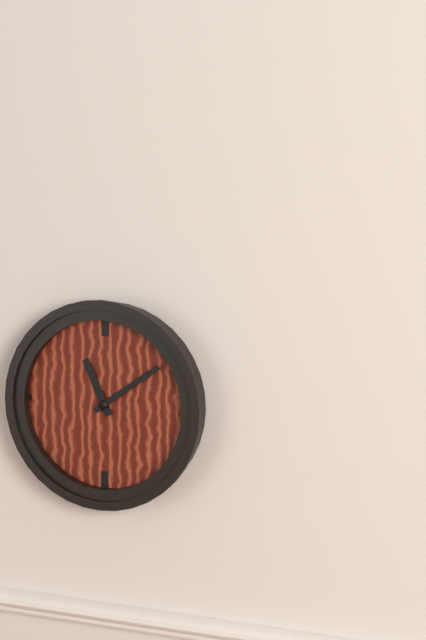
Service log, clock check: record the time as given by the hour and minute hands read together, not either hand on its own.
11:09
